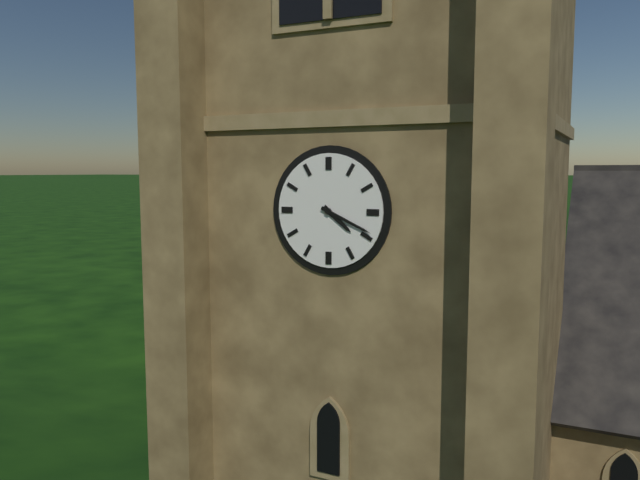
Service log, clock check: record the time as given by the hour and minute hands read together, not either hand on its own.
4:19
